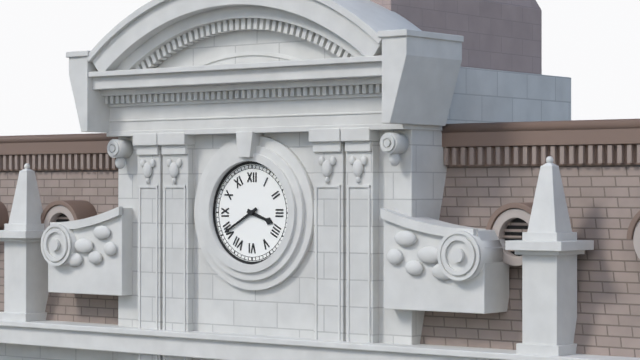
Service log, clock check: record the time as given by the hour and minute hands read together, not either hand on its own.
3:40
